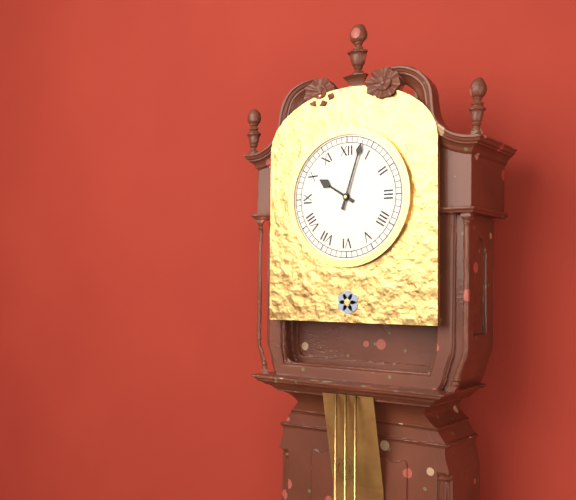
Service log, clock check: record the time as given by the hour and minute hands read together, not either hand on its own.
10:03
